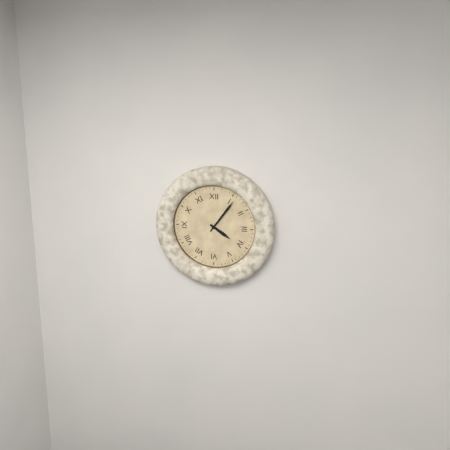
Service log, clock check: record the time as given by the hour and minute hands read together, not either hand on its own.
4:06
